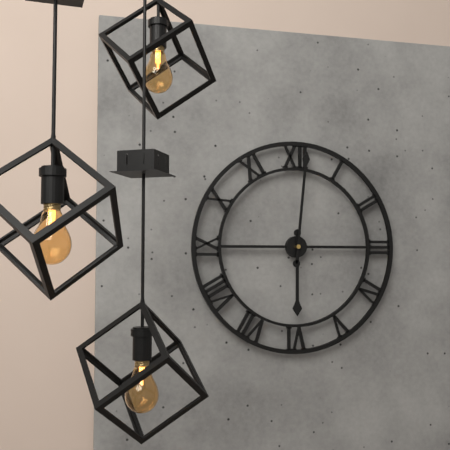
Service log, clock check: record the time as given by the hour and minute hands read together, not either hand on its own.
6:01
